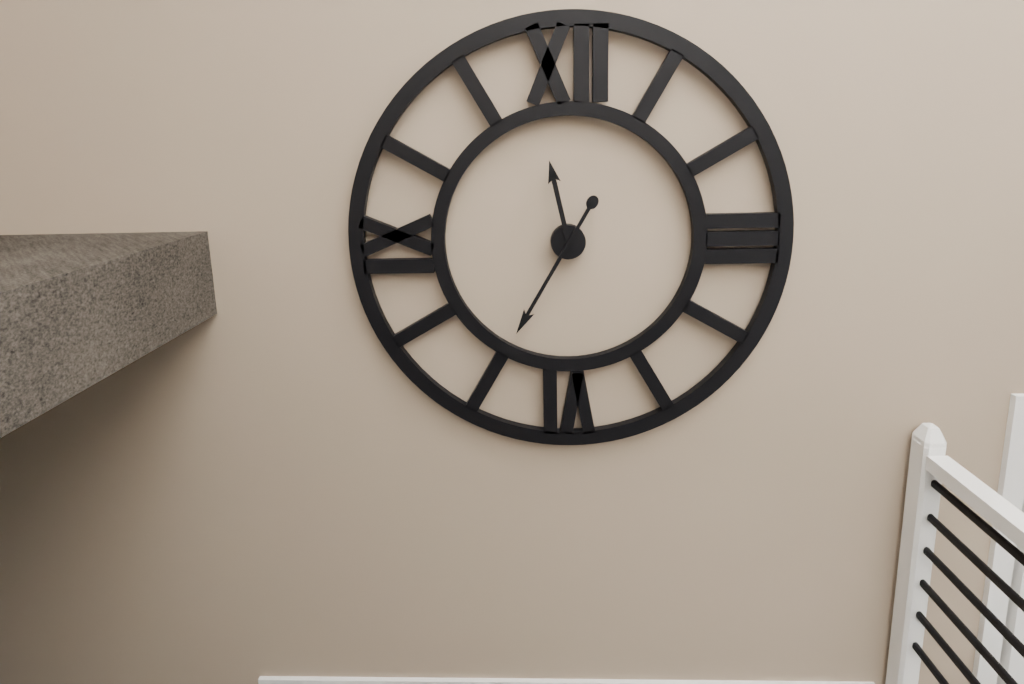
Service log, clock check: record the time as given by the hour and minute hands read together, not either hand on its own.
11:35
